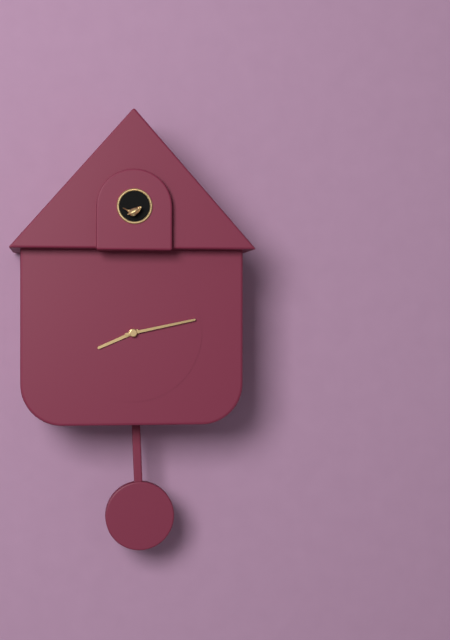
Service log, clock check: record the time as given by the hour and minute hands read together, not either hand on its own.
8:13
